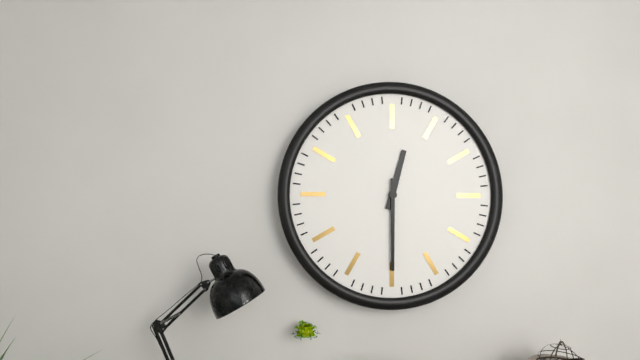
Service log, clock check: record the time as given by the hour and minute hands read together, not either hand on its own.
12:30
